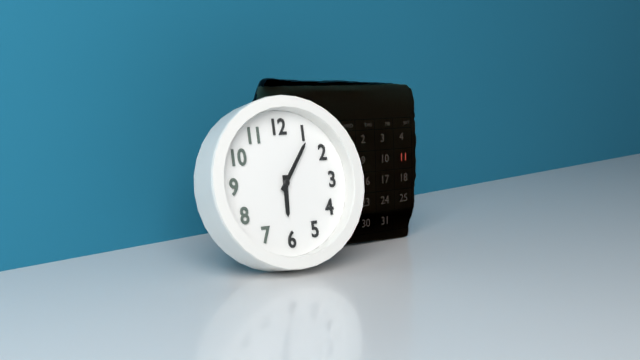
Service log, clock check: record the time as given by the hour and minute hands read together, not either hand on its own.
6:06
